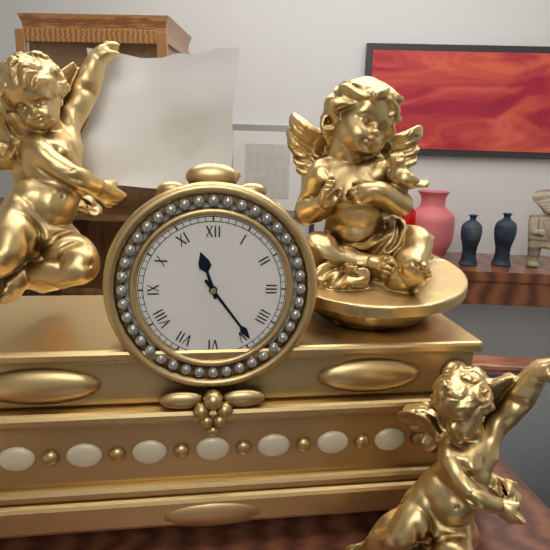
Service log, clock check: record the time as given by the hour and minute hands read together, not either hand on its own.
11:24
